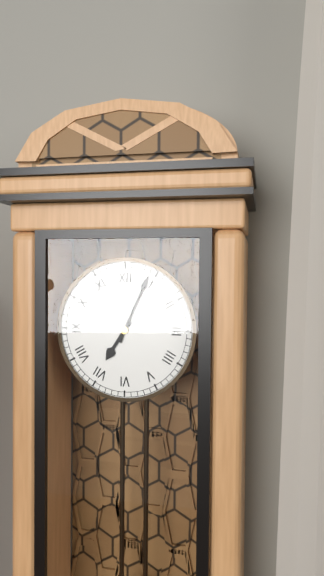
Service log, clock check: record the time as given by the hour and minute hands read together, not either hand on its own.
7:04
